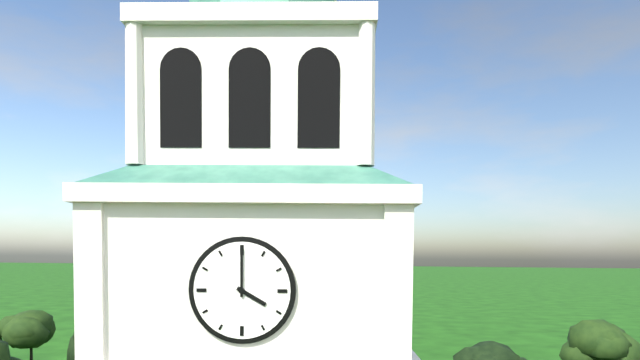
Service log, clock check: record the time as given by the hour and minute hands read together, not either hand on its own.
4:00
